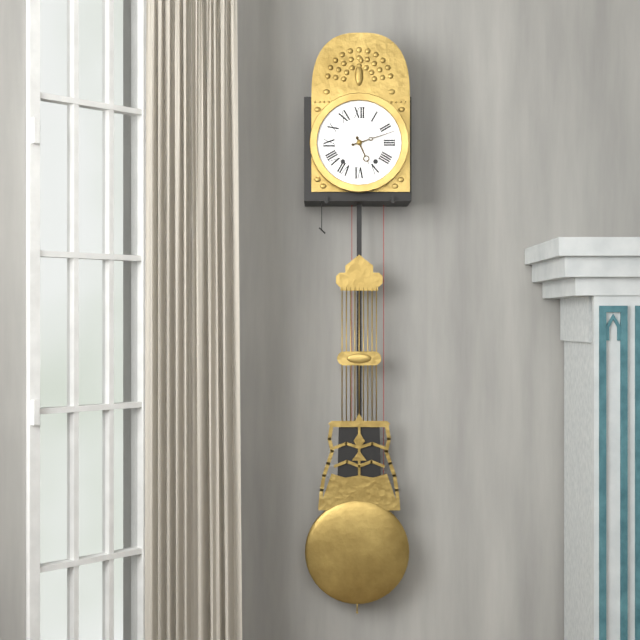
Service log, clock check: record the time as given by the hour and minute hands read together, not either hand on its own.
5:12
